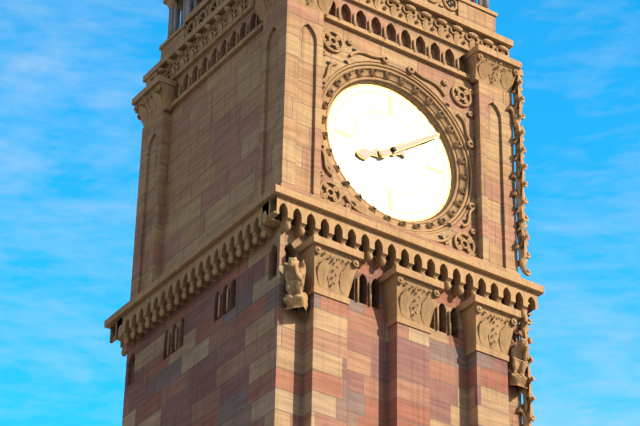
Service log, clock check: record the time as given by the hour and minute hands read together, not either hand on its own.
8:09
